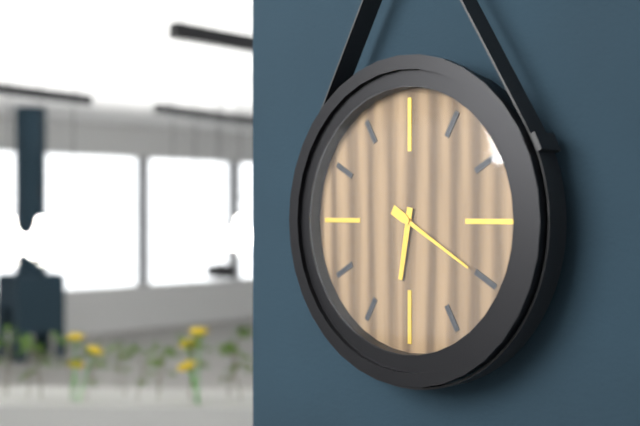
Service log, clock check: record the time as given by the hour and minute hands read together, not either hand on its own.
6:20
